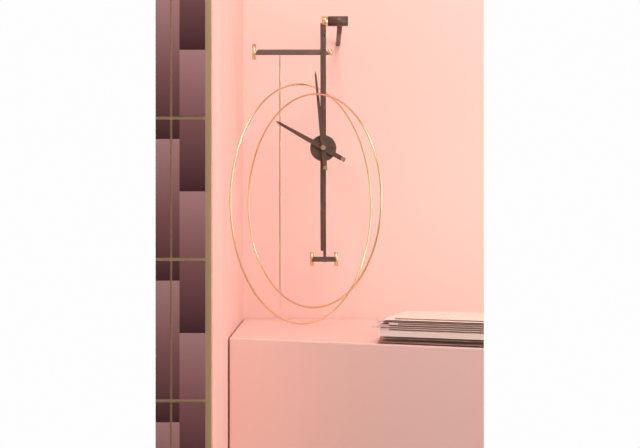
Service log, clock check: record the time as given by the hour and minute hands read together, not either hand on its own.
9:59
